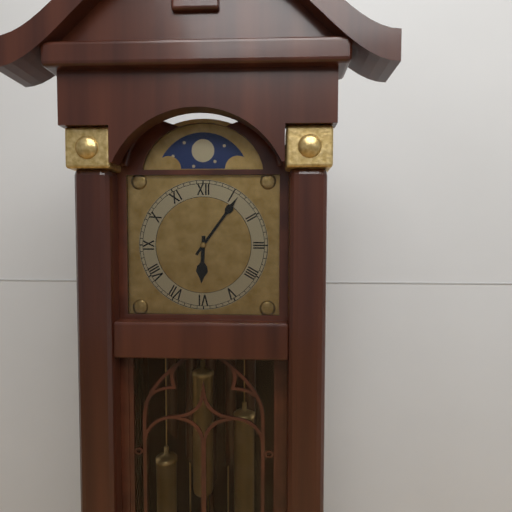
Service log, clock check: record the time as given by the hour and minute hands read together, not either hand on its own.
6:06
